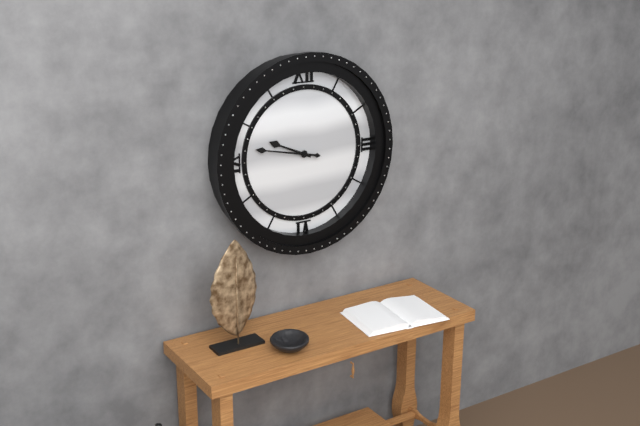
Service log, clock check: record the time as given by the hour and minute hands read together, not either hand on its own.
9:47
